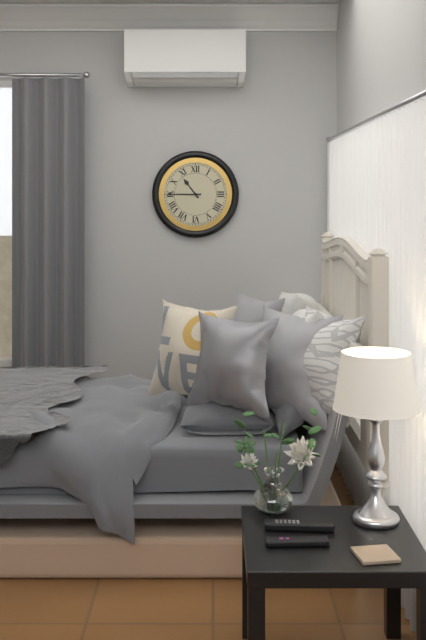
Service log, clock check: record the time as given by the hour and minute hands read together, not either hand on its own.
10:45
